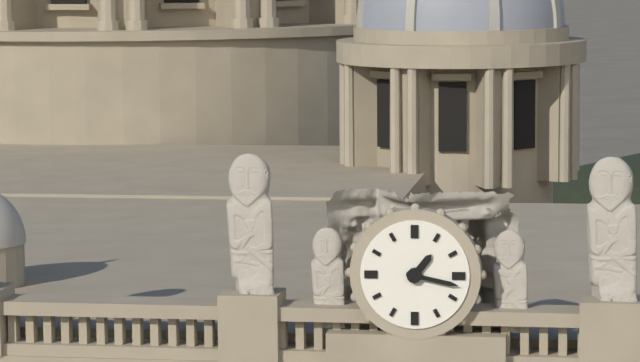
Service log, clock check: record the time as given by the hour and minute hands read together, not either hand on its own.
1:17
